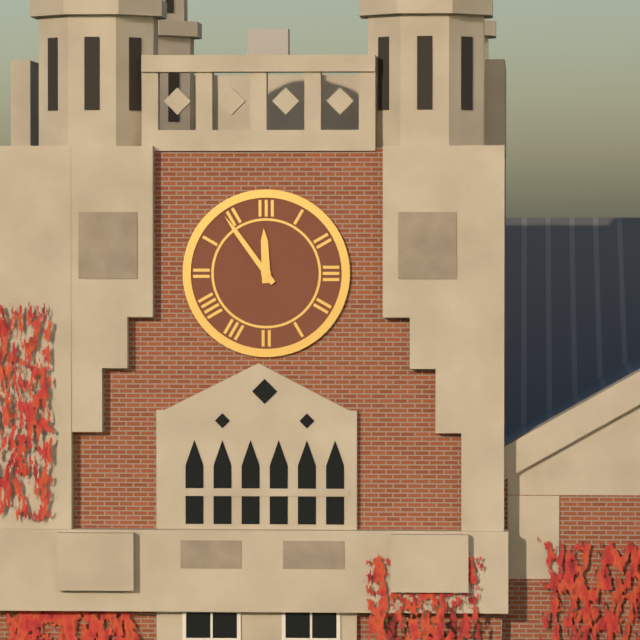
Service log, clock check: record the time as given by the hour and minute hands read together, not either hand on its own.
11:54
